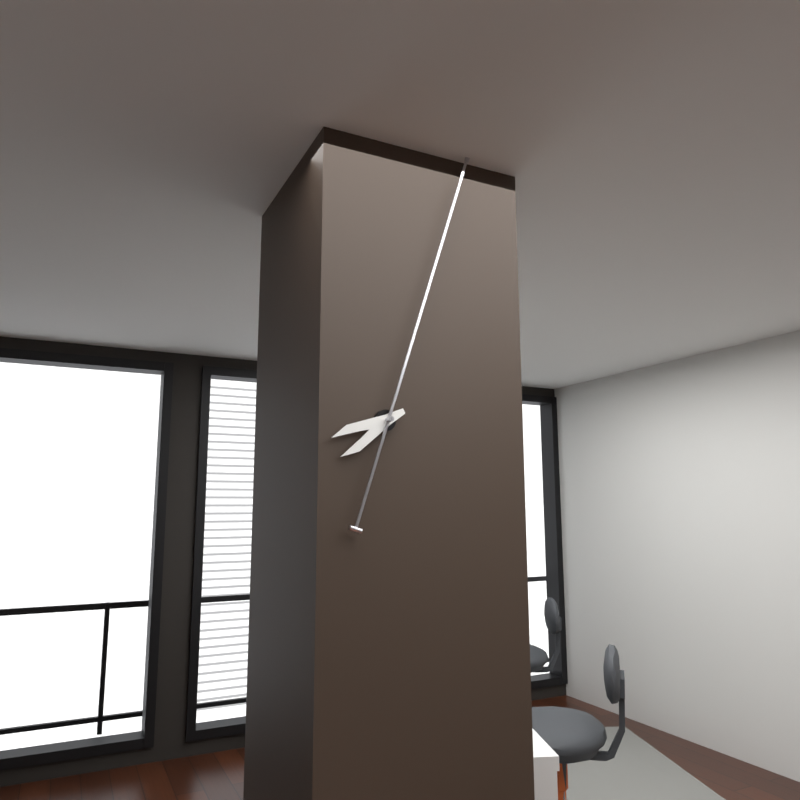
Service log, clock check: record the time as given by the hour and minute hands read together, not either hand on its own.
8:03
